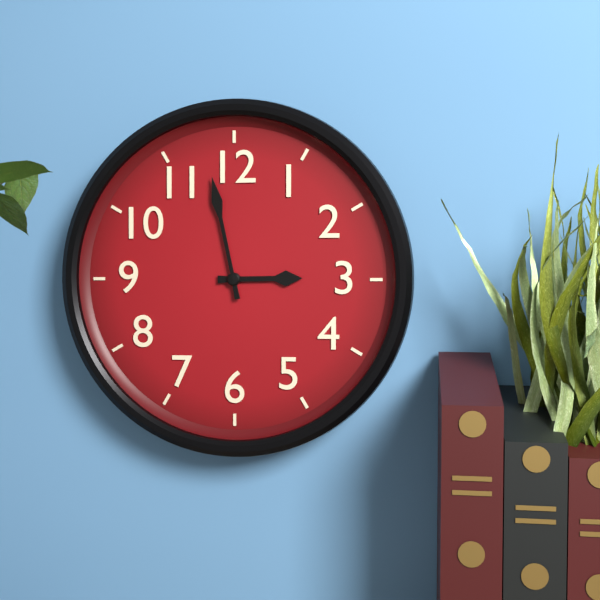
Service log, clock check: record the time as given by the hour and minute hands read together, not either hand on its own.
2:58
